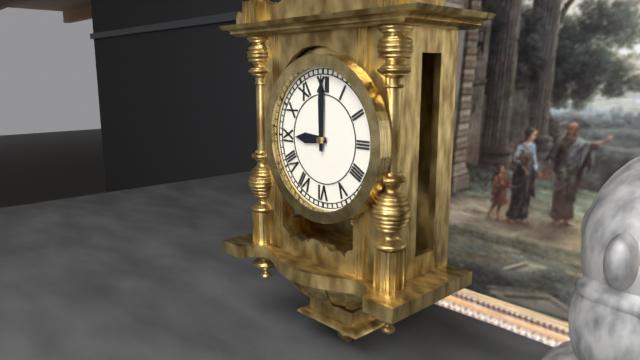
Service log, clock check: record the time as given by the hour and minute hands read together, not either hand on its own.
9:00
